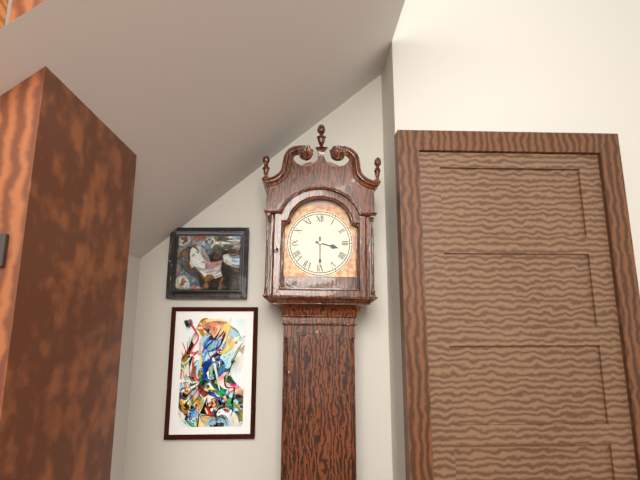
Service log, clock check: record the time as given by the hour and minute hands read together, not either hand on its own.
3:30
